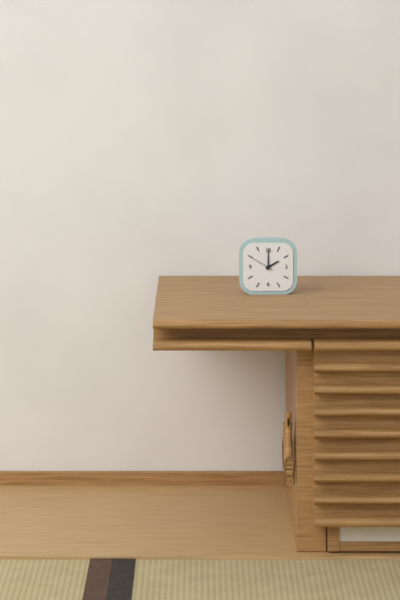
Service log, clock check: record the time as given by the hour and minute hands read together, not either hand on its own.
2:00
